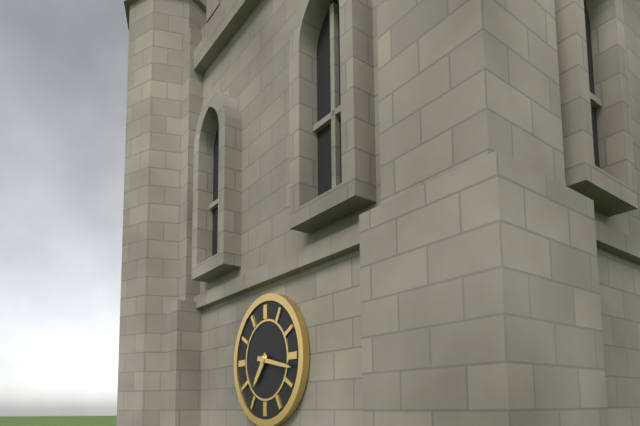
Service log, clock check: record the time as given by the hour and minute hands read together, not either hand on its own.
7:17
